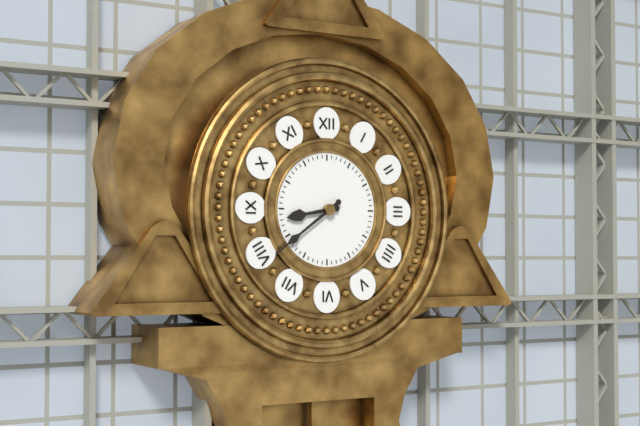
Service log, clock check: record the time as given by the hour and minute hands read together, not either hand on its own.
8:39
